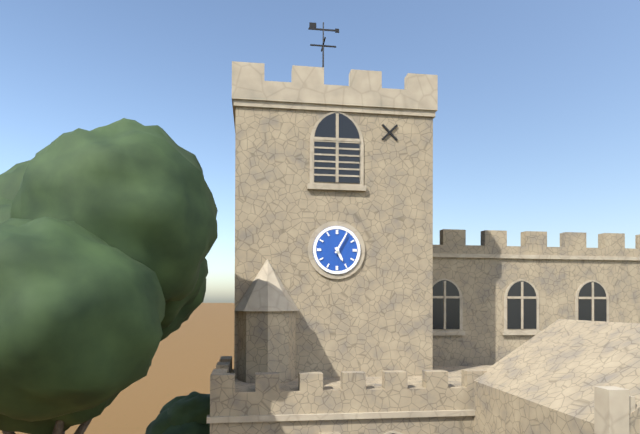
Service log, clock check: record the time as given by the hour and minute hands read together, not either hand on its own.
5:05
